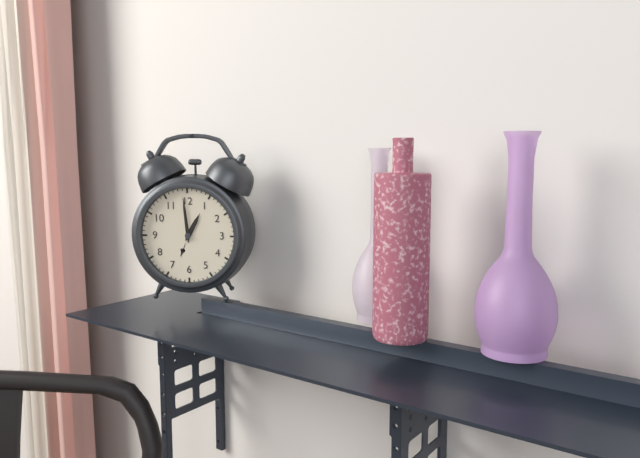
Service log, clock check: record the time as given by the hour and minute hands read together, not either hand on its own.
12:59
